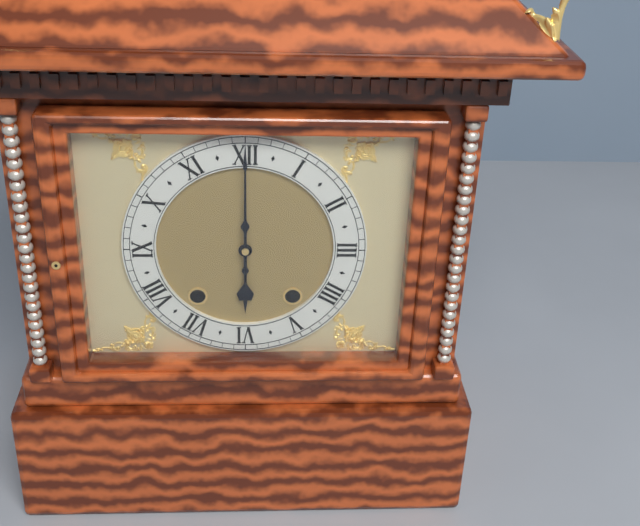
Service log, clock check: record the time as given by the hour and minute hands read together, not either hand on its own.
6:00
